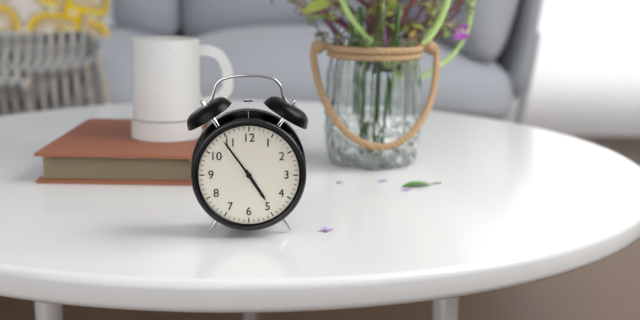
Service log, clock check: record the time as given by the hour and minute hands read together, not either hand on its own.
4:54
